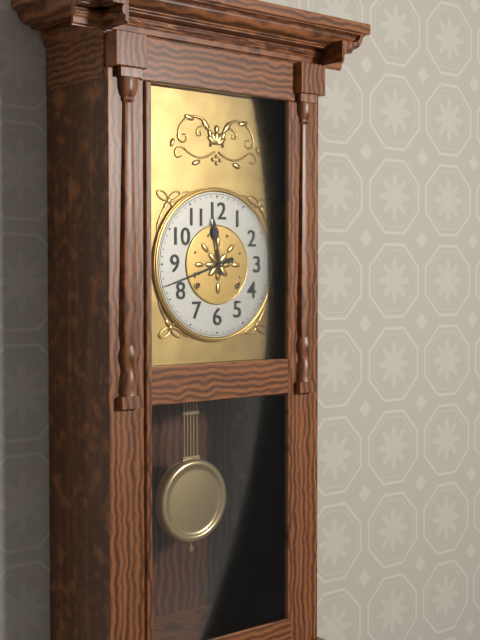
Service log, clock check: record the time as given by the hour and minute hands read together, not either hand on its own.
11:42
